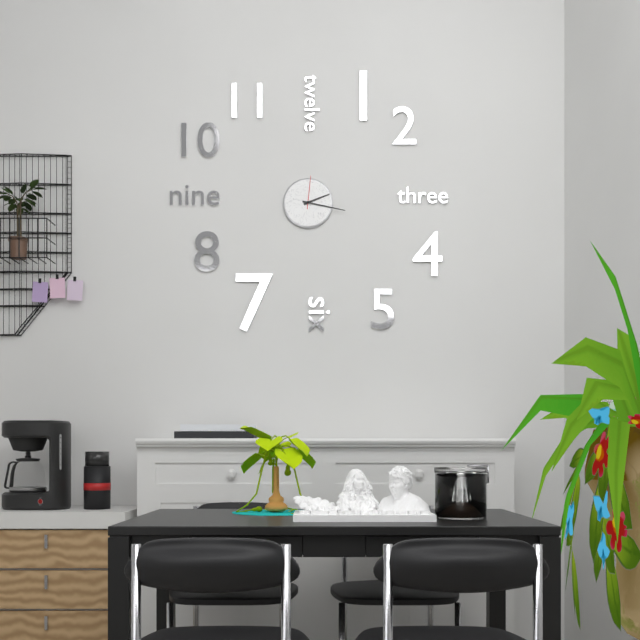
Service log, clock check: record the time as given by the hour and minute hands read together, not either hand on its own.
2:17
